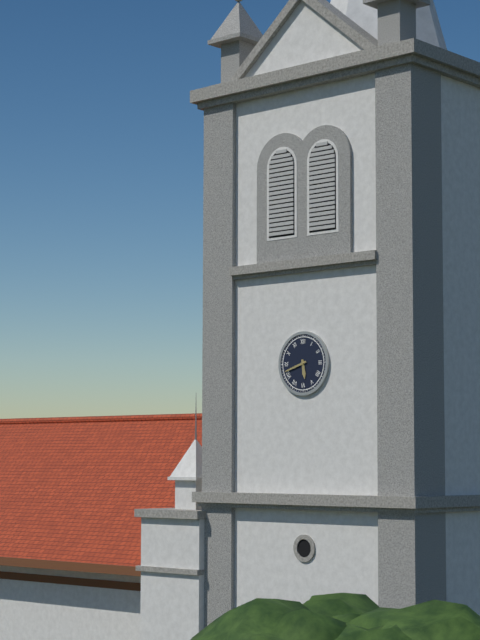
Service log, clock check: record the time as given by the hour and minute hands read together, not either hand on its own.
5:42
